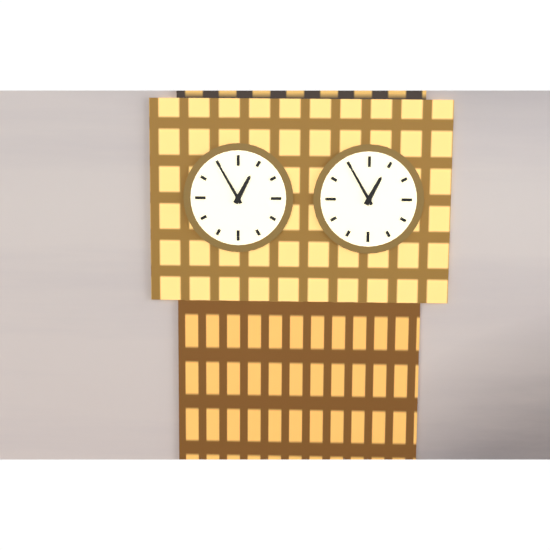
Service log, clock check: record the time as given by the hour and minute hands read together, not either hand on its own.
12:55
